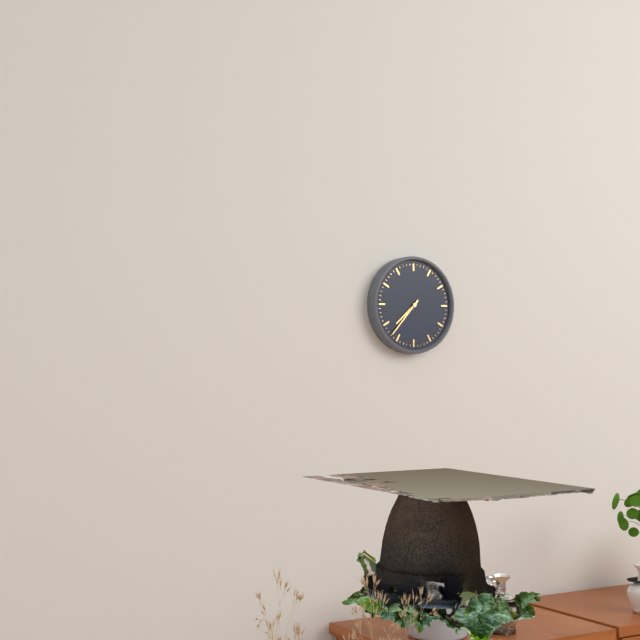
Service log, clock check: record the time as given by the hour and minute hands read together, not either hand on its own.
7:37
